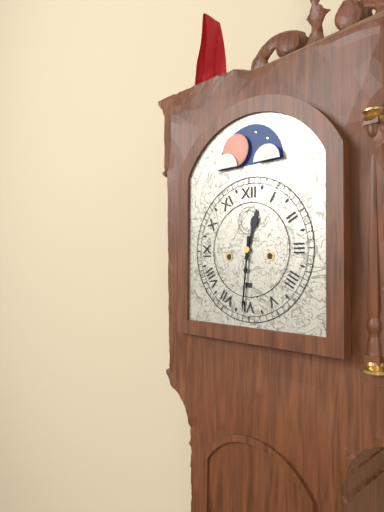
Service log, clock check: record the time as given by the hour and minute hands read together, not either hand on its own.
12:31
